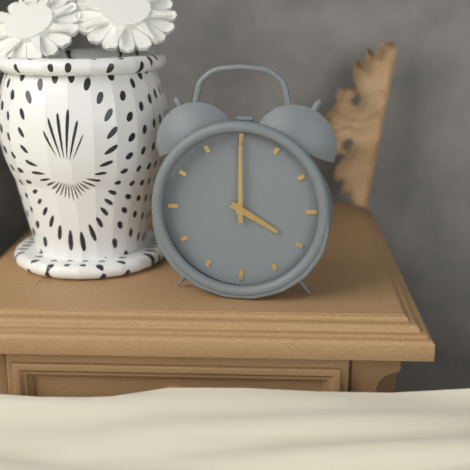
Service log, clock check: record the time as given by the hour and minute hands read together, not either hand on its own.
4:00
